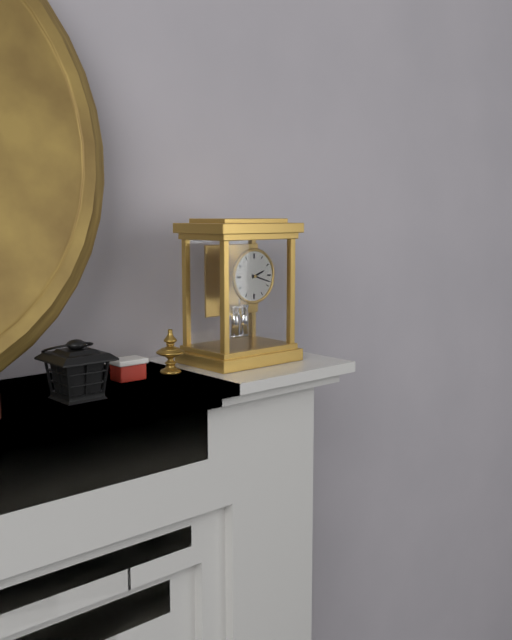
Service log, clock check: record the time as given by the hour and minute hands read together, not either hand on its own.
2:18
